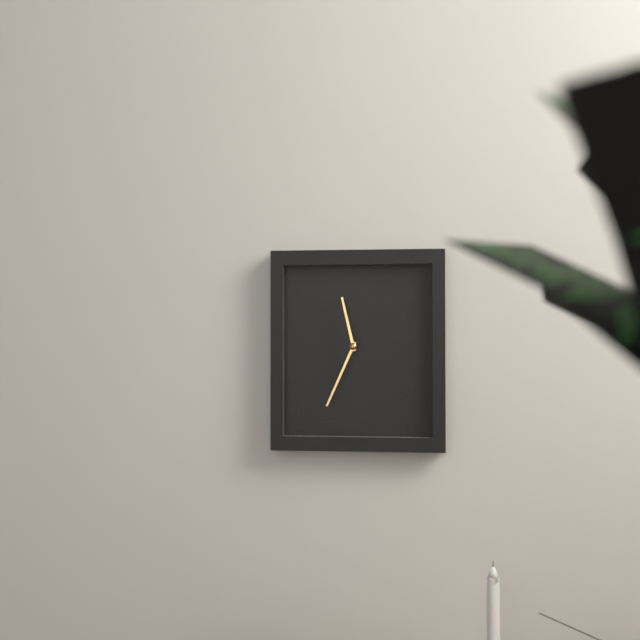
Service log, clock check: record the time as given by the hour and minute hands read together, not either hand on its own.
11:34
